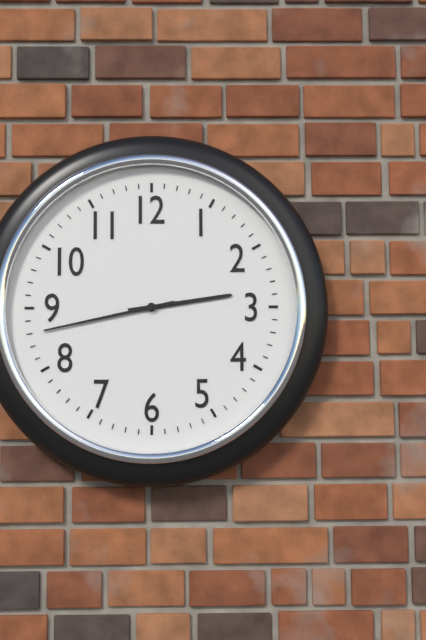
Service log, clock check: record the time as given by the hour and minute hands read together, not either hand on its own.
2:43
